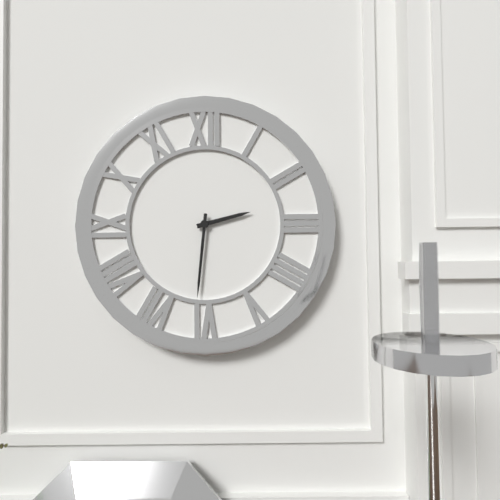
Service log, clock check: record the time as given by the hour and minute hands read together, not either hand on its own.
2:31
